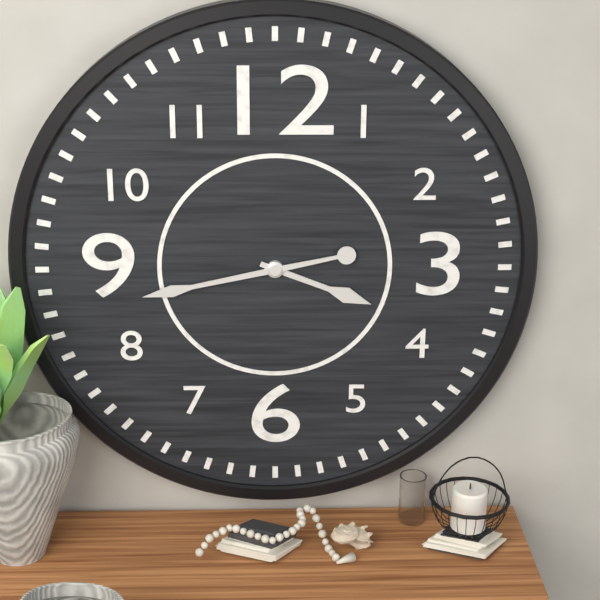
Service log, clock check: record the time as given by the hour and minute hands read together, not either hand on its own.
3:43
